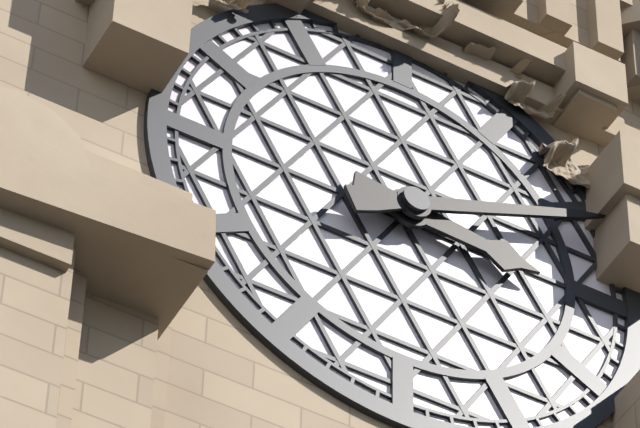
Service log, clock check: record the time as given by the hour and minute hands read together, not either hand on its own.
3:11
